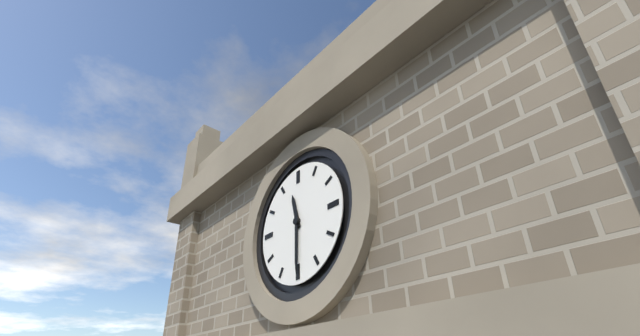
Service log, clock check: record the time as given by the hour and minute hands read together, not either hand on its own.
11:30
